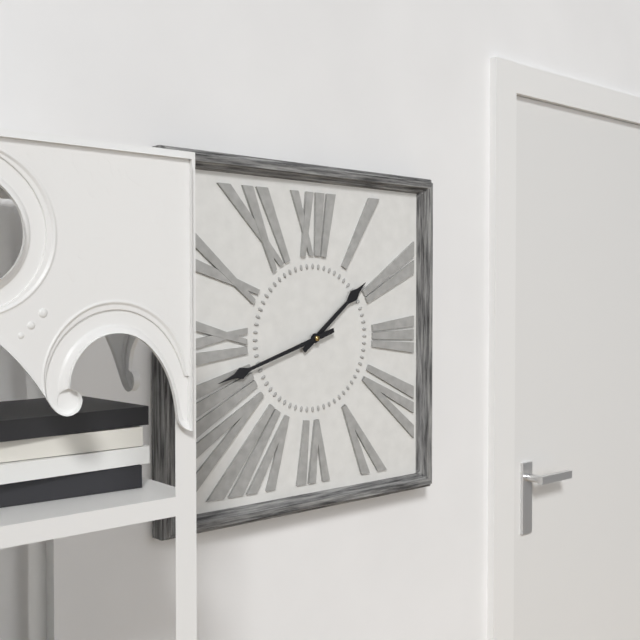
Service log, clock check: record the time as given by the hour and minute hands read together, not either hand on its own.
1:42
